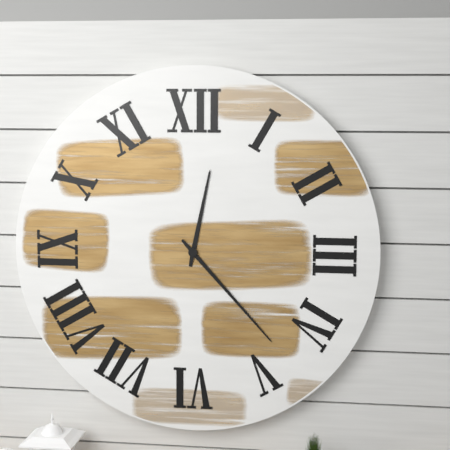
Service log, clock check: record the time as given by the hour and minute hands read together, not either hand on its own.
12:23
